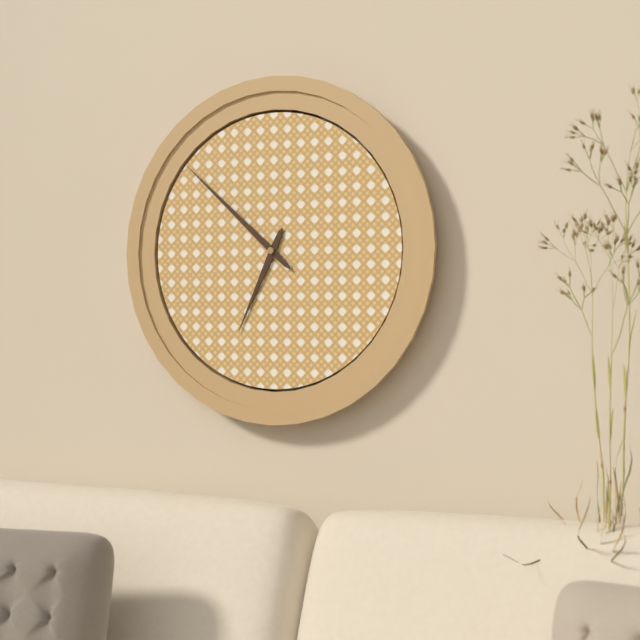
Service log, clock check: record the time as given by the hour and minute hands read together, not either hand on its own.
6:52
